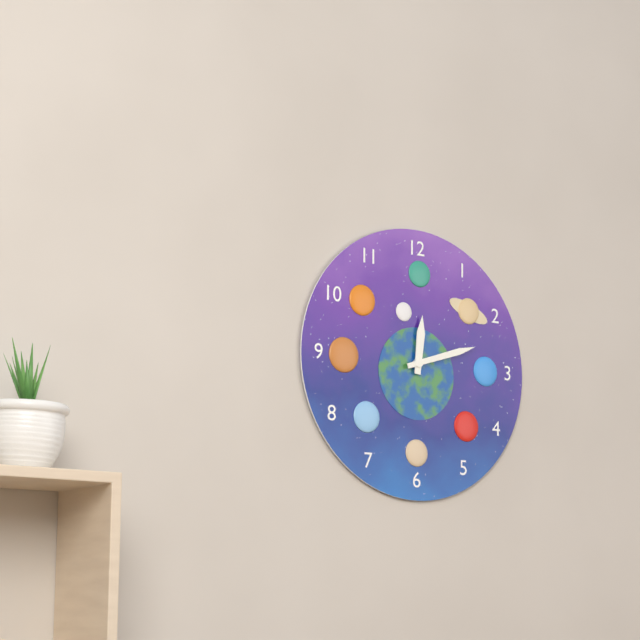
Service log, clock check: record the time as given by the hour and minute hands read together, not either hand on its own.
12:12
